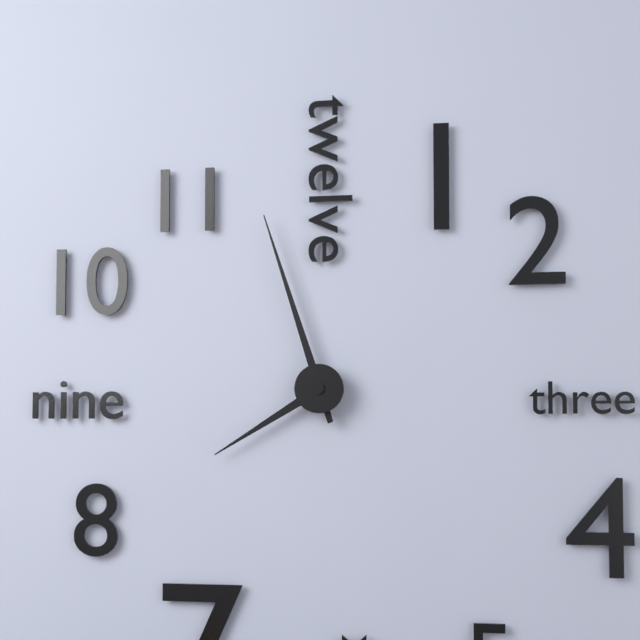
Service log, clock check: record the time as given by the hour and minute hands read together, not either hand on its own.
7:57
